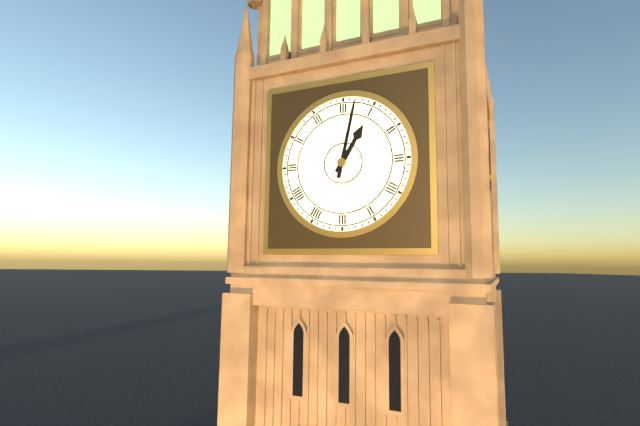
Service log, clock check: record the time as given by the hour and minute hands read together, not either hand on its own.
1:02
